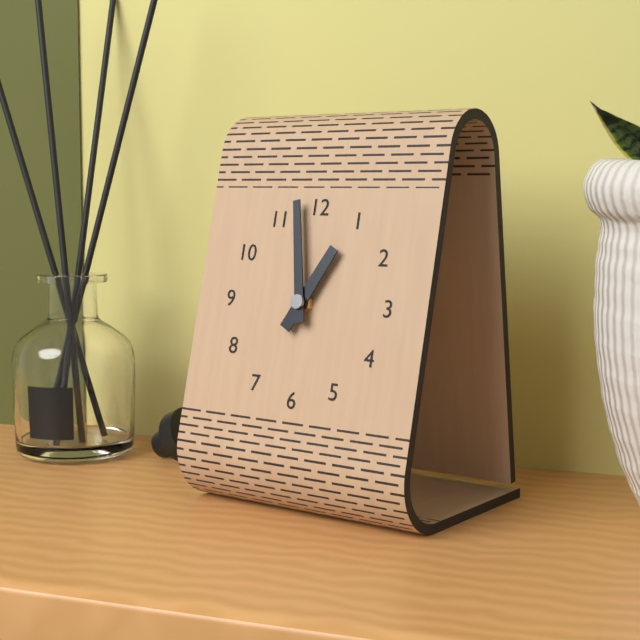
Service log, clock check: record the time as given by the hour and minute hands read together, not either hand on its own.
12:58
